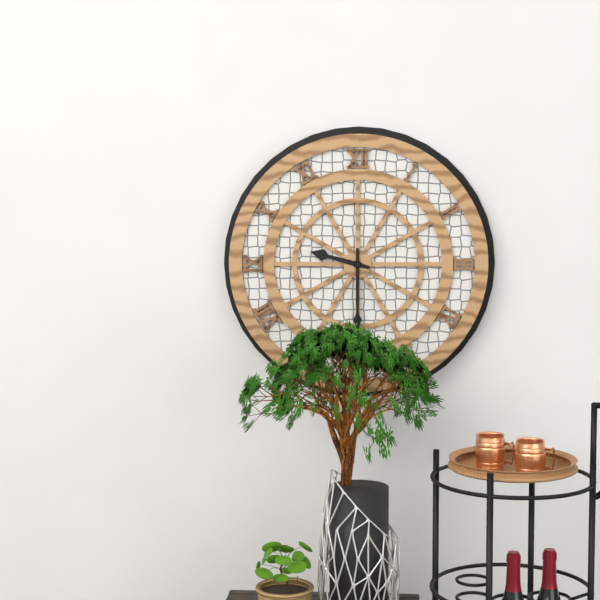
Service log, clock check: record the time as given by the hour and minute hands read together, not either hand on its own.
9:30
